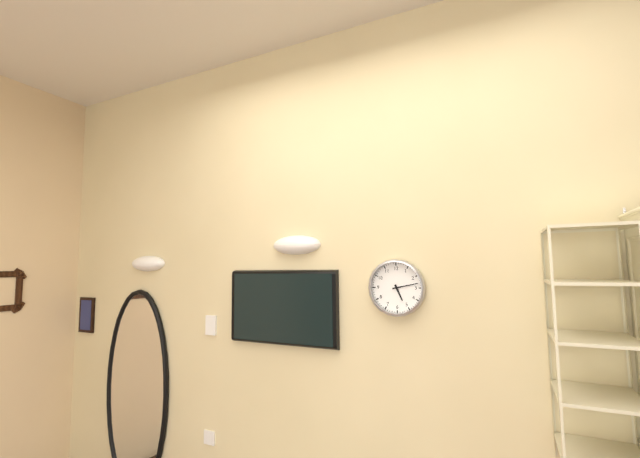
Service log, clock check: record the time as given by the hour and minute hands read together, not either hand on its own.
5:13
